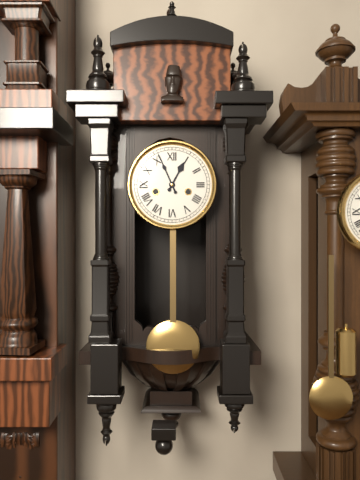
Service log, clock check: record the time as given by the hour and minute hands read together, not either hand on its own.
12:56
